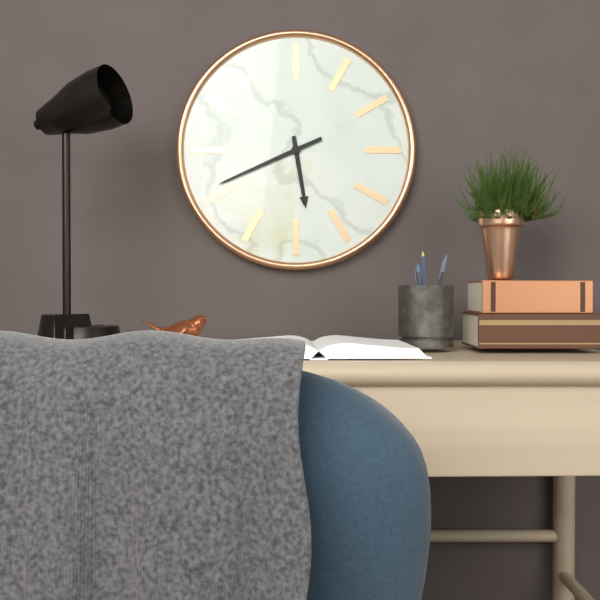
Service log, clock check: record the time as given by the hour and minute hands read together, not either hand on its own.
5:41
